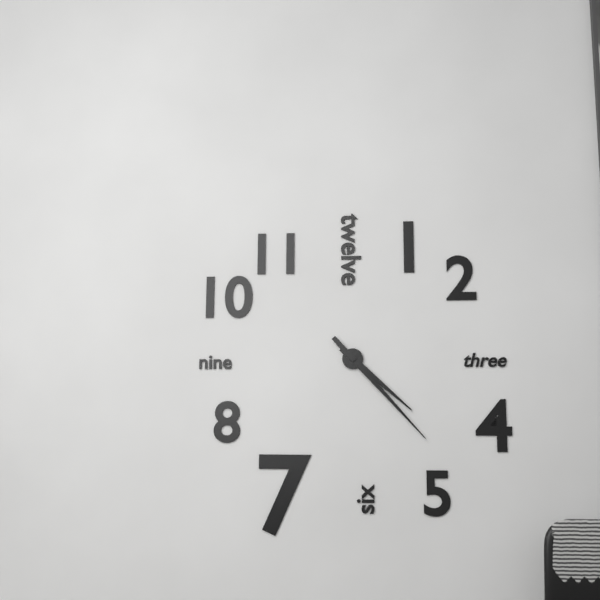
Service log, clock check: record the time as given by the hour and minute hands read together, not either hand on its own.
4:23
